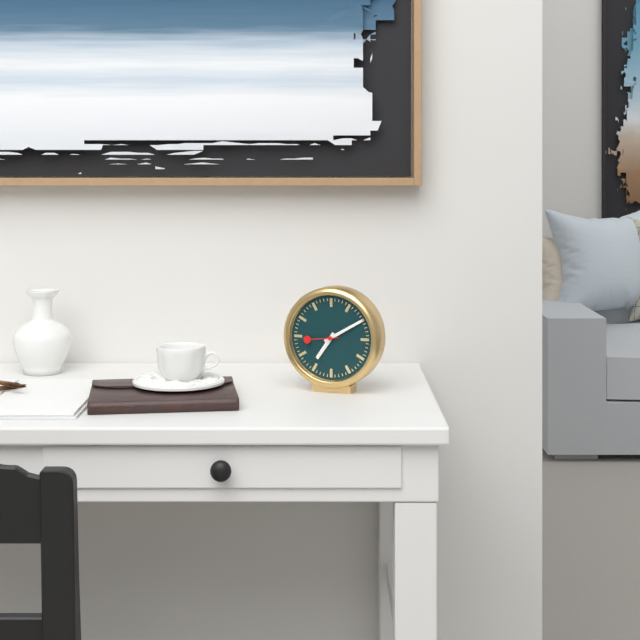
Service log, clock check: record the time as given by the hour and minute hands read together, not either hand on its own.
7:10
